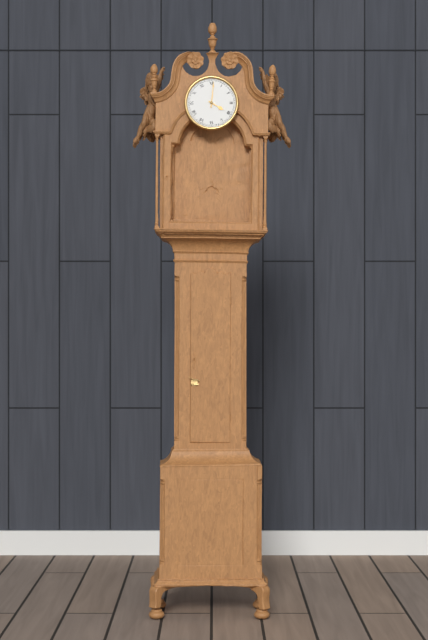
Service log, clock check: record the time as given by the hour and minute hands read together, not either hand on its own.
4:01
